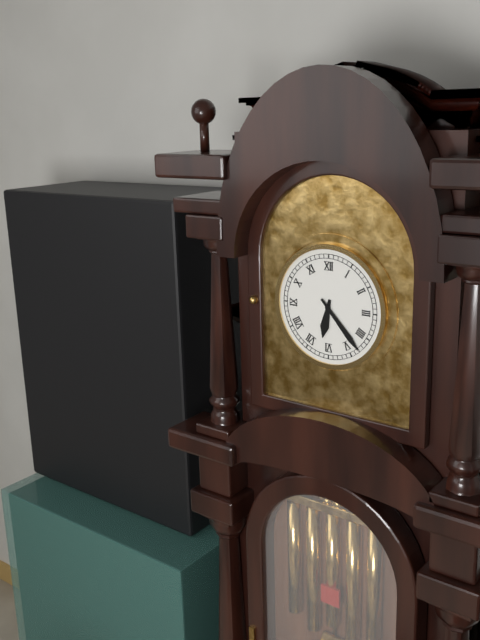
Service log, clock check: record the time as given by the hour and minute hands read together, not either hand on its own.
6:23
